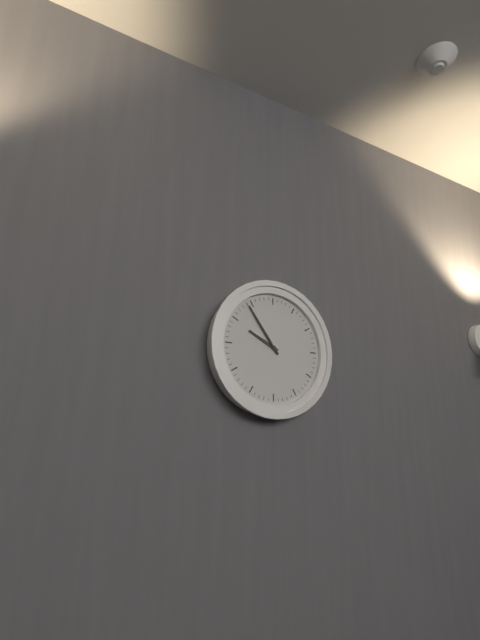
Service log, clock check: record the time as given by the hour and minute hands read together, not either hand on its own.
9:54
